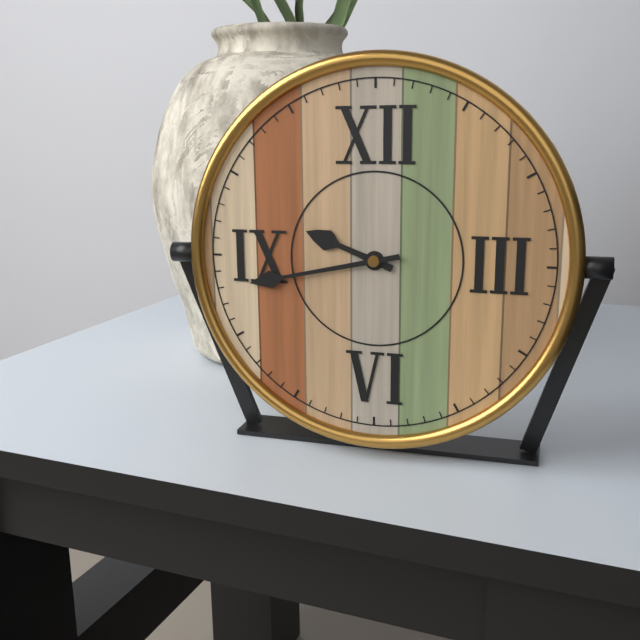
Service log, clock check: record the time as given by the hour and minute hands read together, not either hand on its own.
9:43
